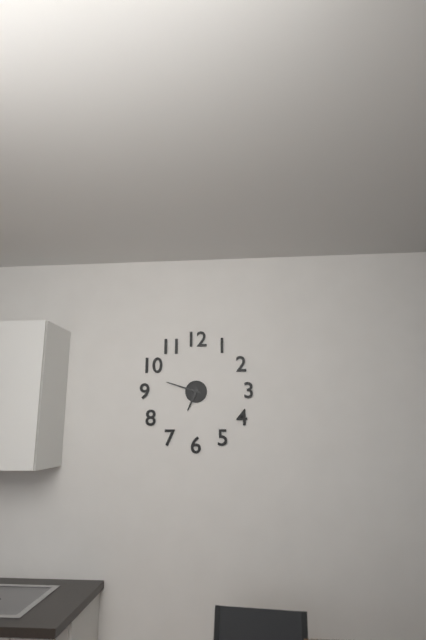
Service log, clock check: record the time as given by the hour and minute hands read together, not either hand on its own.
6:48
